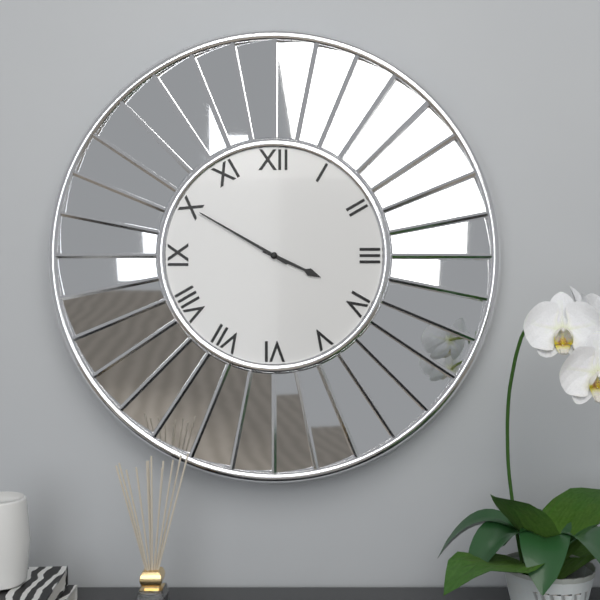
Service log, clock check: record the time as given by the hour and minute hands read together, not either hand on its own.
3:50
